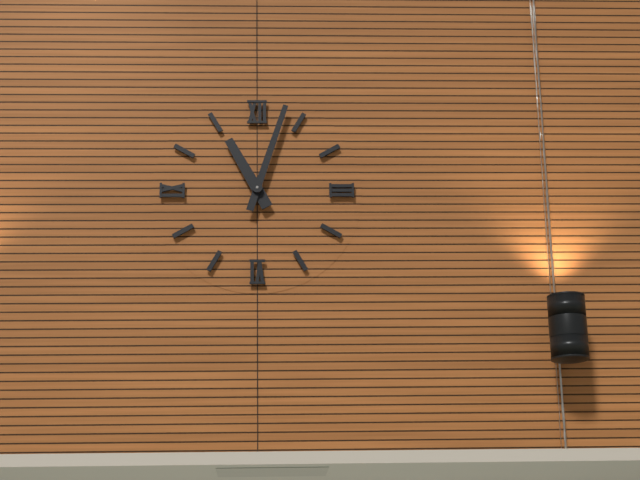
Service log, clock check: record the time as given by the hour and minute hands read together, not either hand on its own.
11:03
